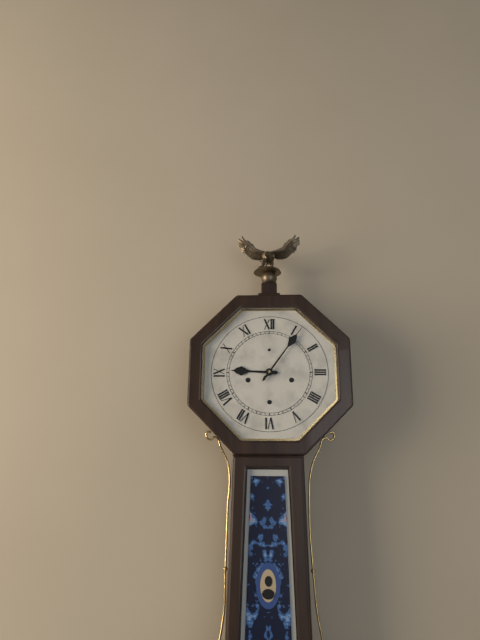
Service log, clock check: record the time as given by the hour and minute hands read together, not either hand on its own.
9:06
